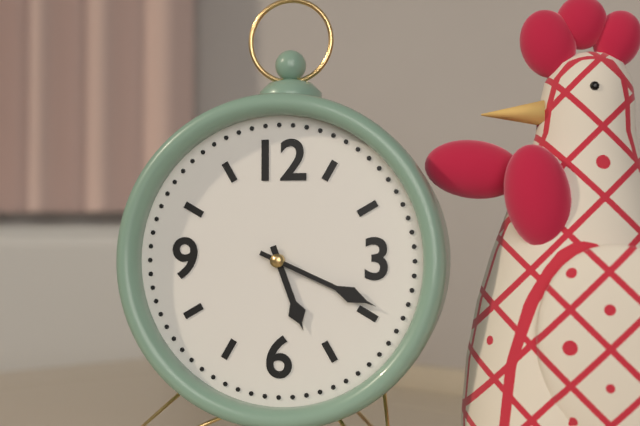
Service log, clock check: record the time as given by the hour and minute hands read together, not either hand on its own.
5:19
